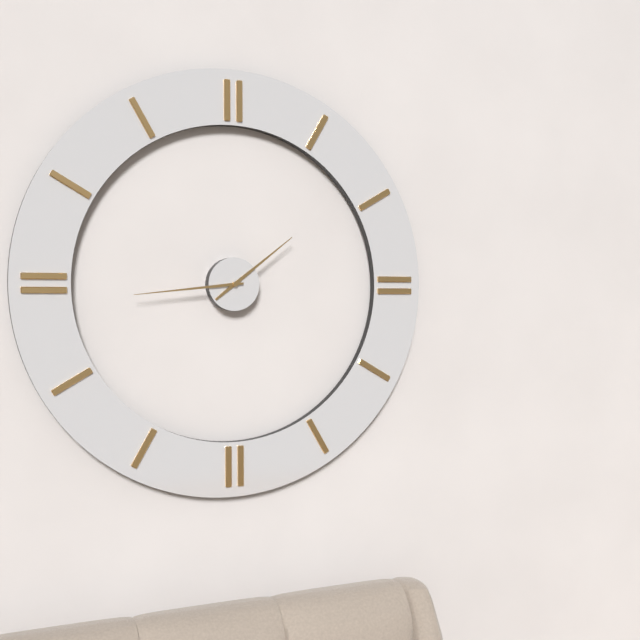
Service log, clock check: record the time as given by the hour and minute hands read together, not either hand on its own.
1:44
